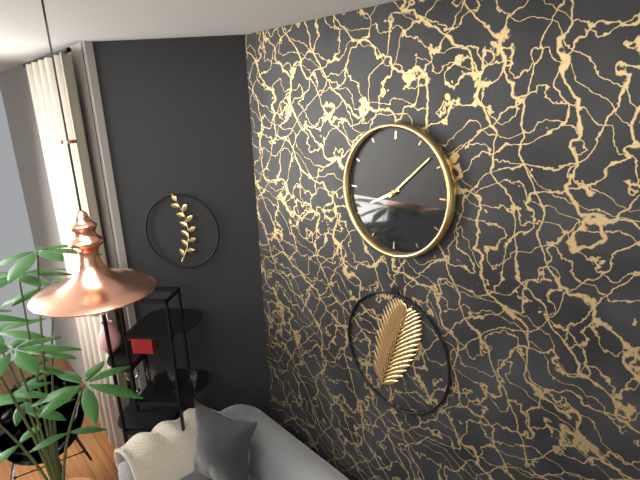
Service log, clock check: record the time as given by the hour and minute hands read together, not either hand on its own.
8:08
